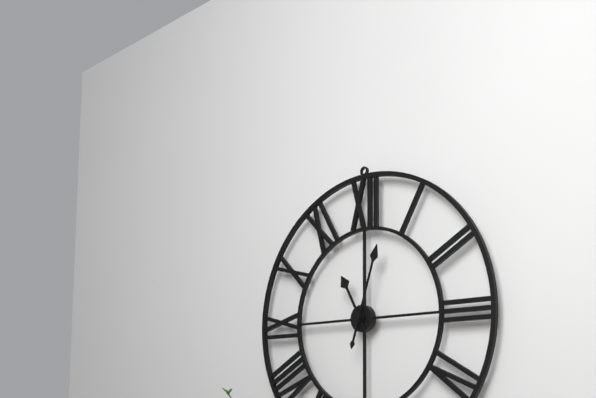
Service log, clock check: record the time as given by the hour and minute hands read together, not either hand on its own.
11:03
